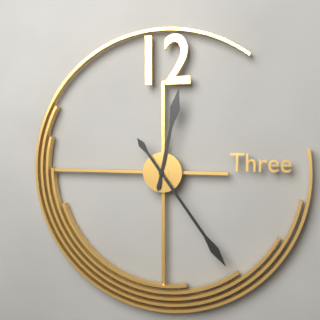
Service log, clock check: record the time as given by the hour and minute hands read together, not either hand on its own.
12:24
